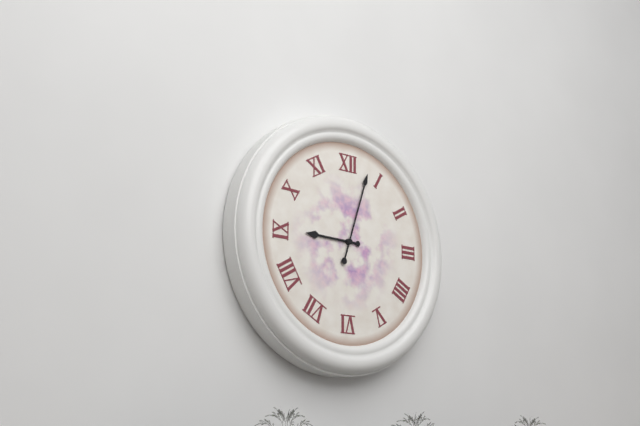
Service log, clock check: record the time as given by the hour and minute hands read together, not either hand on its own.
9:03
